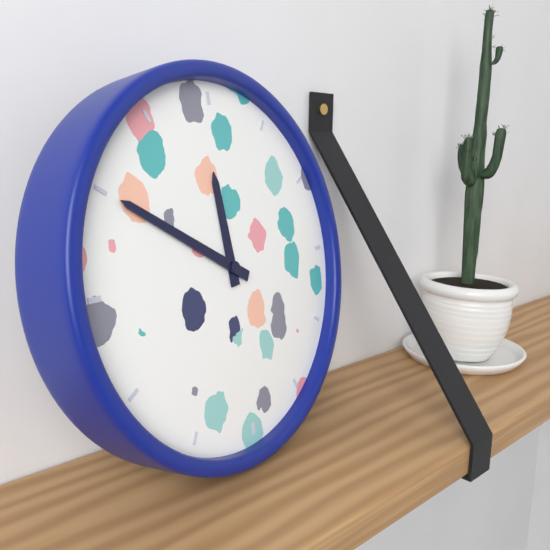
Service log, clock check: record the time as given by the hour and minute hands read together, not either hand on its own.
11:50
